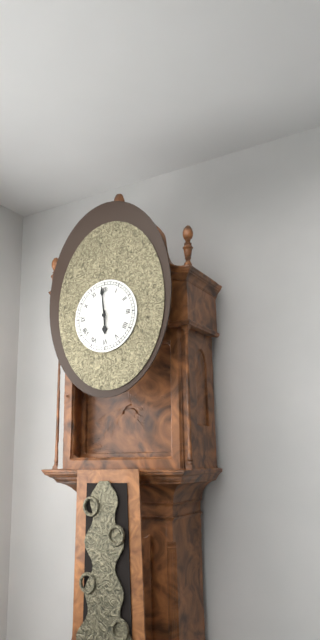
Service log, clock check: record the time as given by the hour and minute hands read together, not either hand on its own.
5:59
